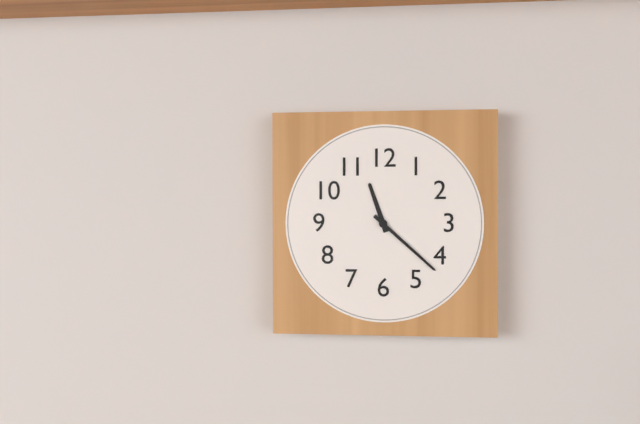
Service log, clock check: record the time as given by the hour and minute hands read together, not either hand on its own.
11:22
